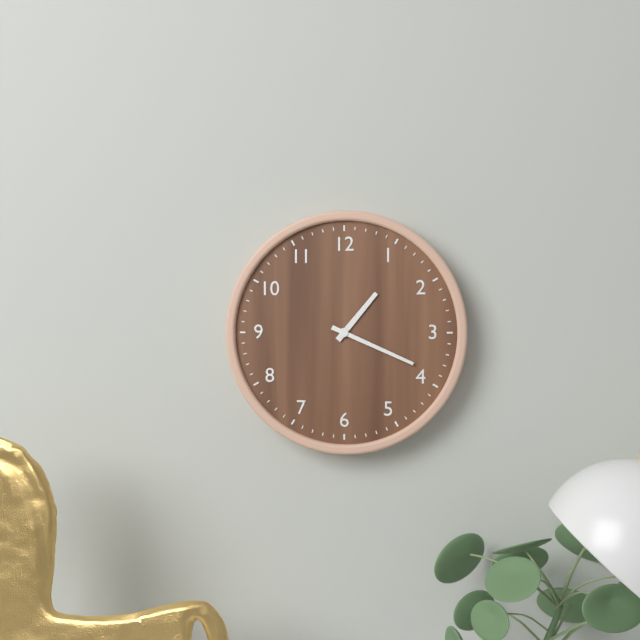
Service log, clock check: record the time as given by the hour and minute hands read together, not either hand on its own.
1:19
